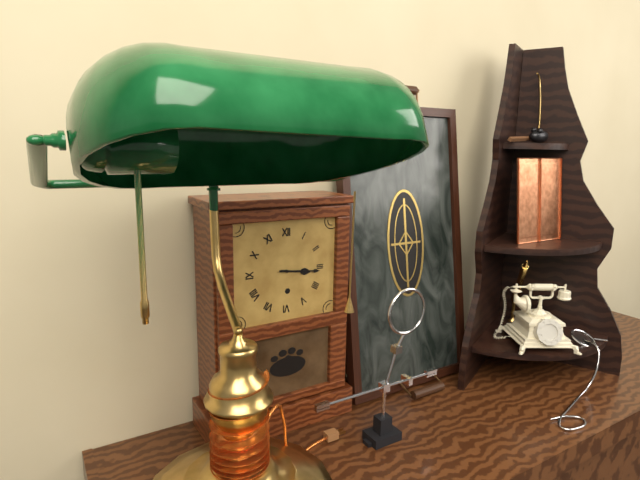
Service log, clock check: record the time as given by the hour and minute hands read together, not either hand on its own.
3:16
